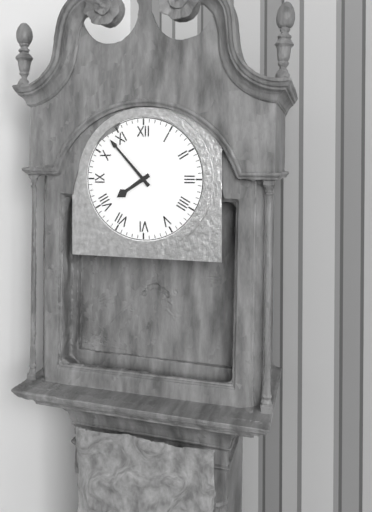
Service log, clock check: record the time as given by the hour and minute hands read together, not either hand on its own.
7:53
